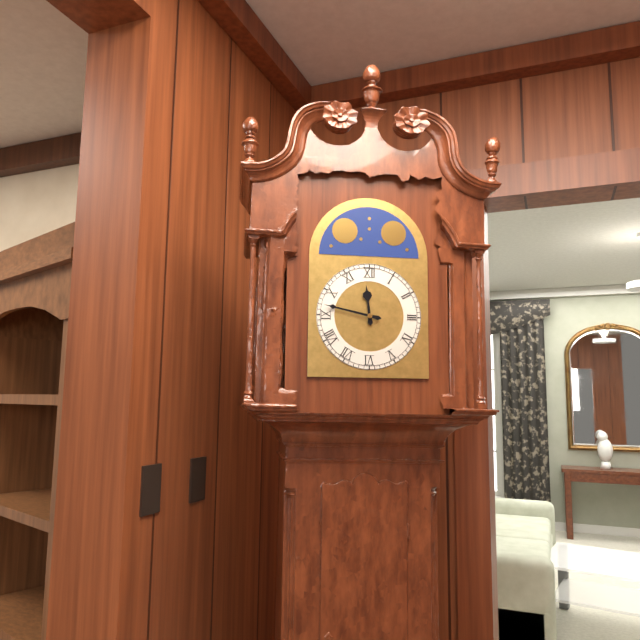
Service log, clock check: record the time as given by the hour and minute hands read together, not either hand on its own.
11:47
